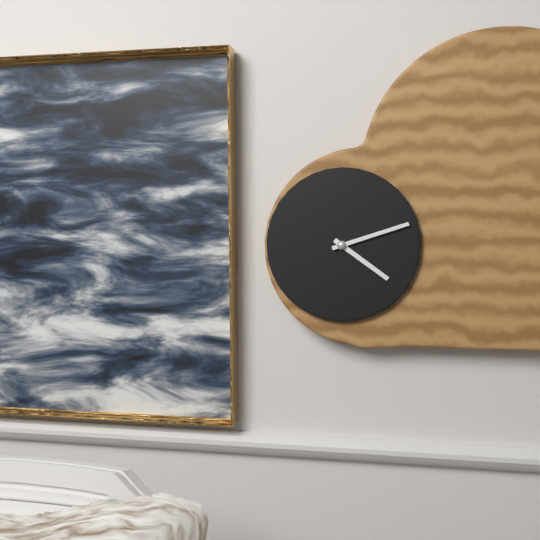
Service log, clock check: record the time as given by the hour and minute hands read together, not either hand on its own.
4:12
